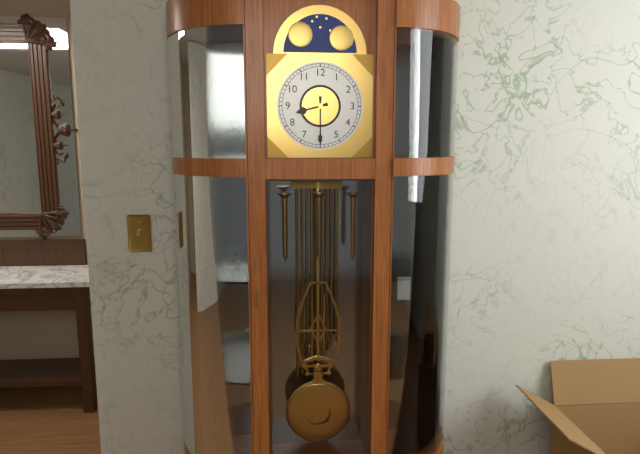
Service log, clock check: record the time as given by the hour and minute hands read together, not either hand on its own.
8:30
